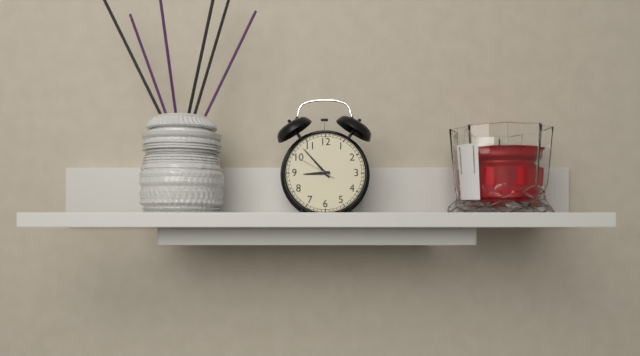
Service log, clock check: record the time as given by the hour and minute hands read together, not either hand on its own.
8:53
